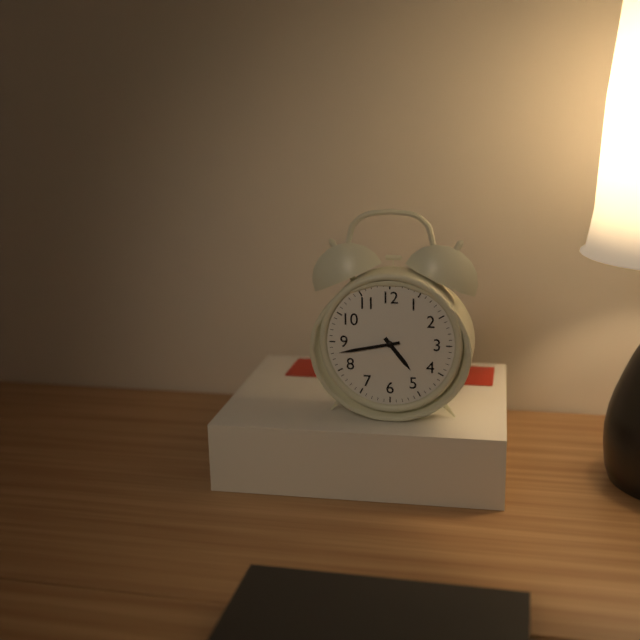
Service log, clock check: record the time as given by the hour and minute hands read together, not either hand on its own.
4:43
